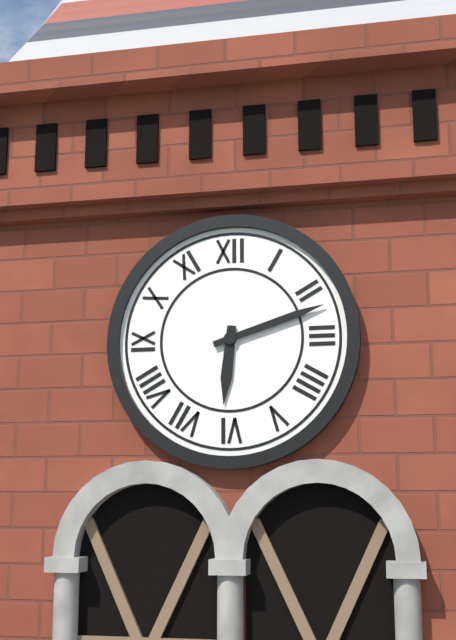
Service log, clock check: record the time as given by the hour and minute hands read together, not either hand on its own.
6:12
